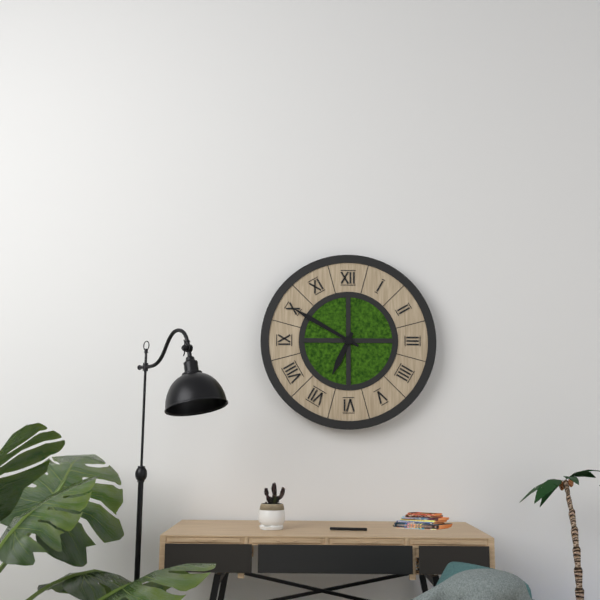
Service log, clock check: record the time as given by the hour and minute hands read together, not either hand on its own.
6:50
